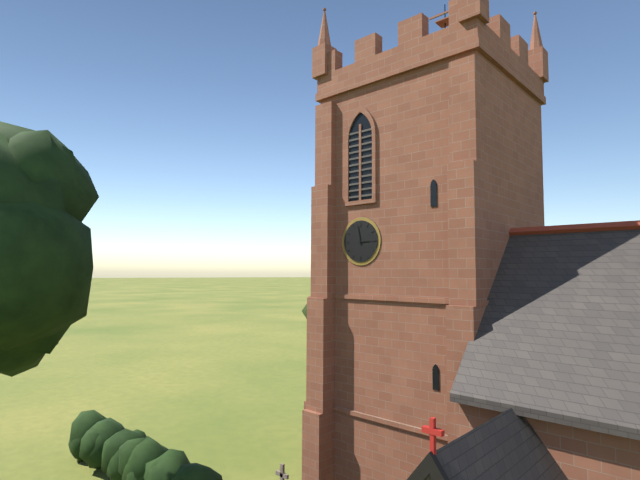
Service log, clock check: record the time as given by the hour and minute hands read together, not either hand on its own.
2:58
